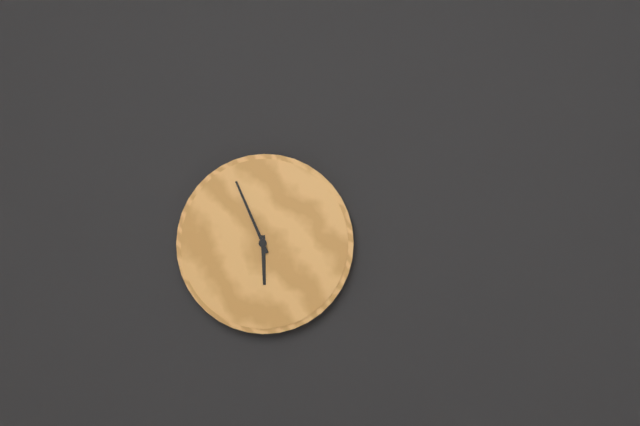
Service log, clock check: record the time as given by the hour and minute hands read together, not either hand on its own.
5:56
